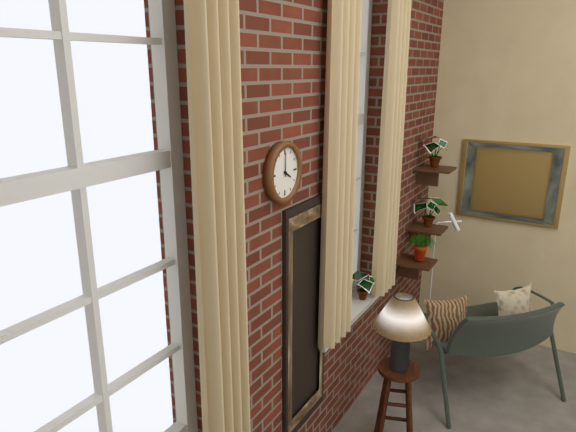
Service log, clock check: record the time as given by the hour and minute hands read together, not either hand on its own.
4:00
